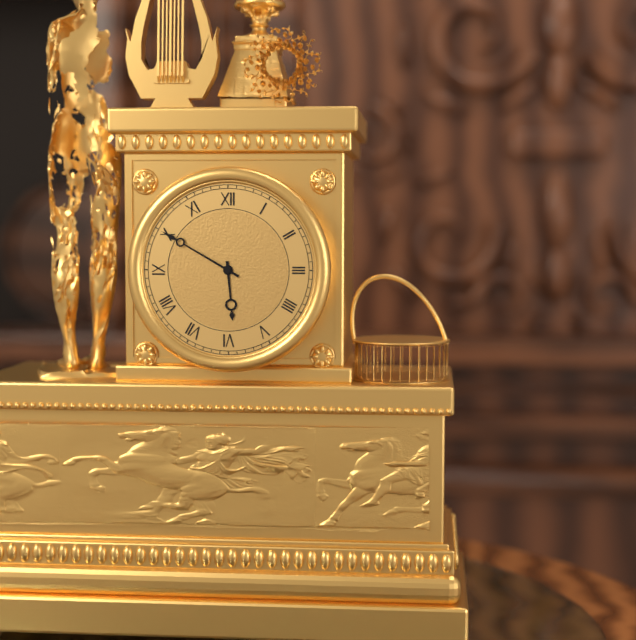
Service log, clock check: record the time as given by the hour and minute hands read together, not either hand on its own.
5:50
